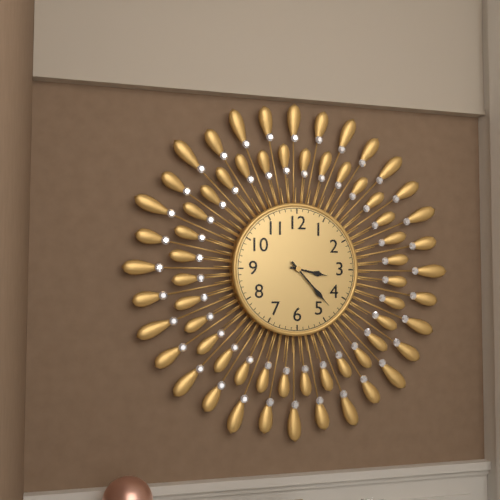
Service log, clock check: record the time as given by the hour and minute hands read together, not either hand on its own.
3:23
